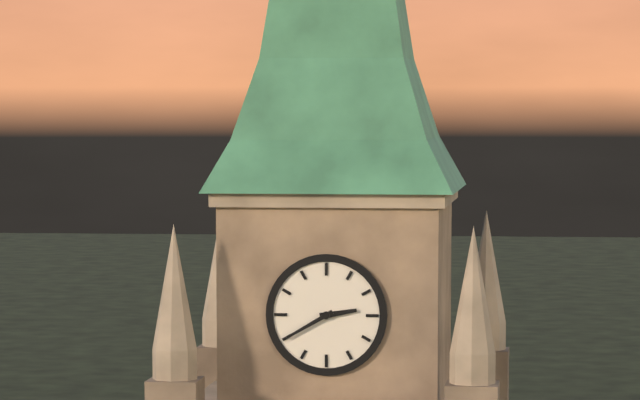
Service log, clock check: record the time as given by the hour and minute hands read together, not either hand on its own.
2:40
